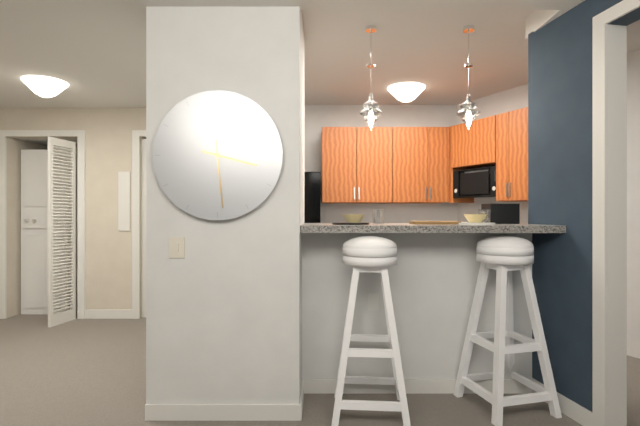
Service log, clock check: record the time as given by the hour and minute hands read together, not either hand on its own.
3:29
